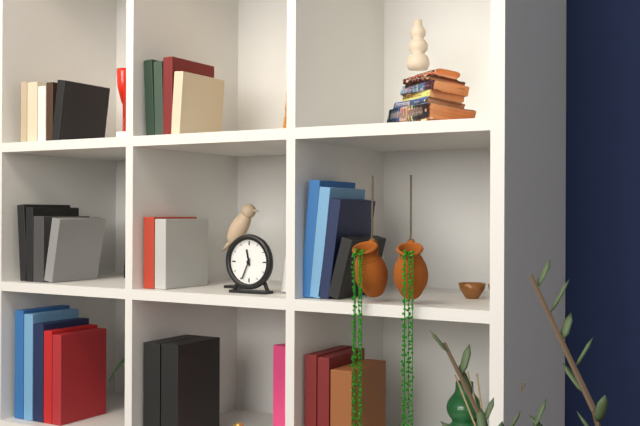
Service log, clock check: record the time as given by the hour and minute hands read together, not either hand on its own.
11:34
